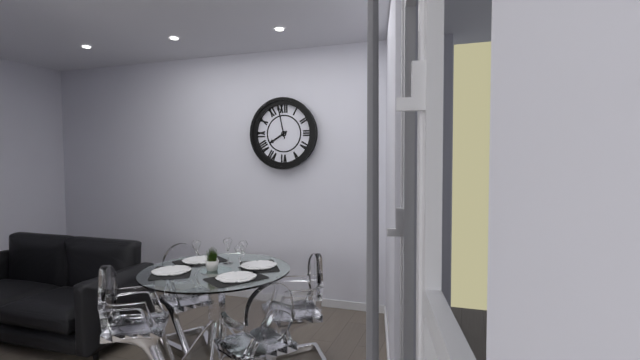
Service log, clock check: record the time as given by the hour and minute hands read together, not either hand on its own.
7:58
